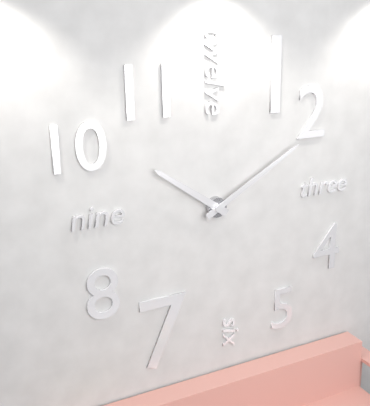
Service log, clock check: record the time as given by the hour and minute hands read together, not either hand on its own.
10:10
